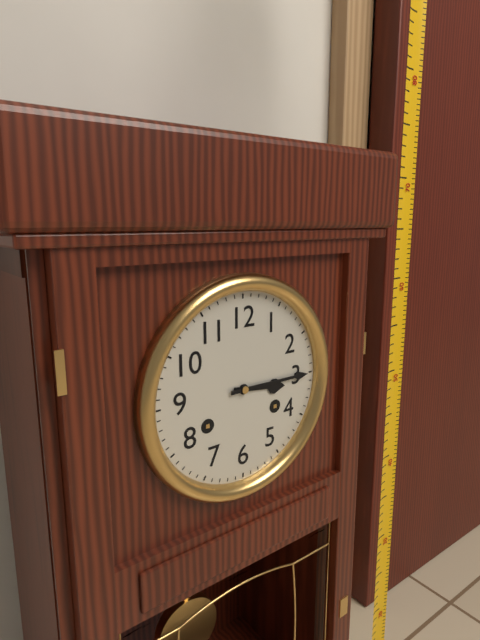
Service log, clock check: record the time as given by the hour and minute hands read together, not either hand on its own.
3:15
